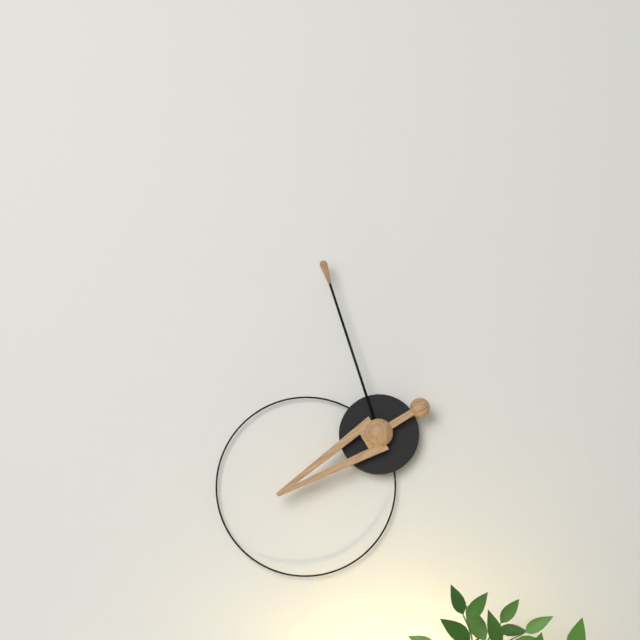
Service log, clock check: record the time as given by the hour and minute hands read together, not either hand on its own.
7:57
